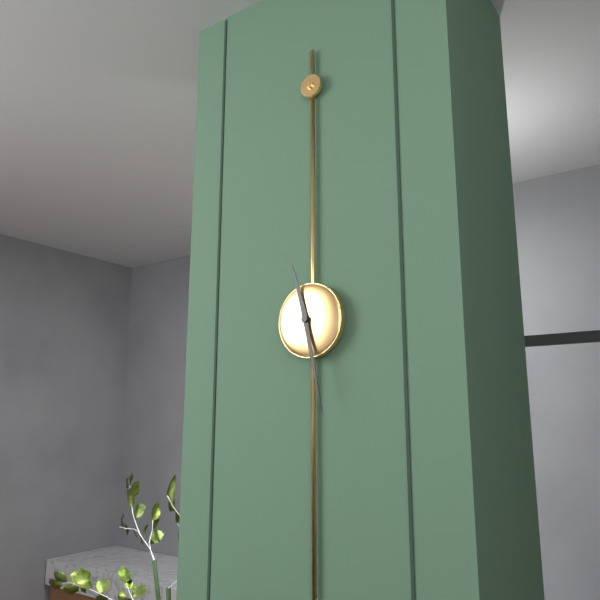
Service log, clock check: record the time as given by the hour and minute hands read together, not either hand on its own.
11:28
